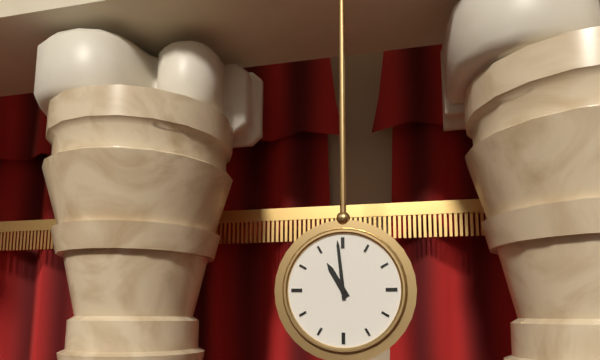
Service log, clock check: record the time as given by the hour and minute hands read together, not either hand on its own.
10:59
